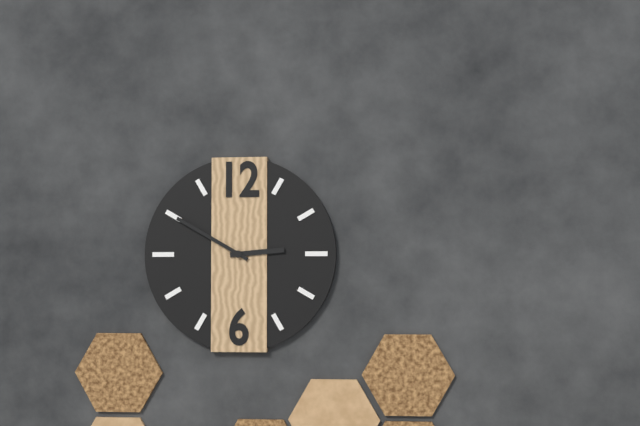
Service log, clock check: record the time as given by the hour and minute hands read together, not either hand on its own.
2:50
